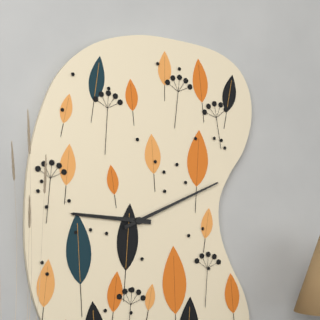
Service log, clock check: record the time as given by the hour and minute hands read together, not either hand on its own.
9:11
